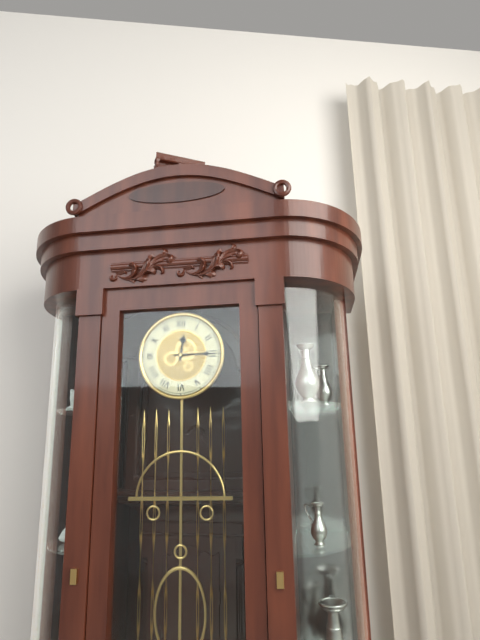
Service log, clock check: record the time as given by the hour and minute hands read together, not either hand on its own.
12:15
